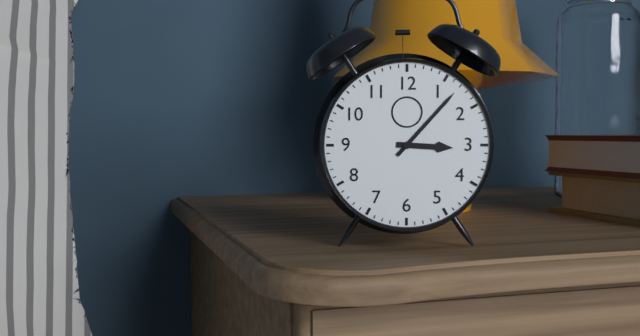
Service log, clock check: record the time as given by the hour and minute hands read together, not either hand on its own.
3:07
